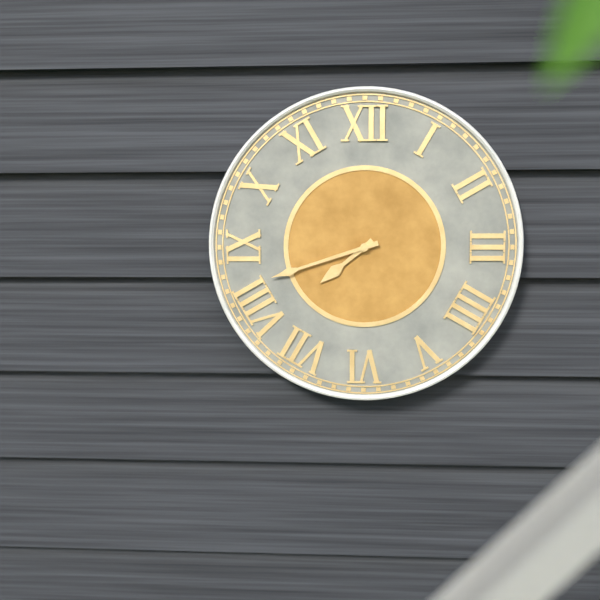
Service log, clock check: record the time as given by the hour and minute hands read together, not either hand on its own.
7:42
